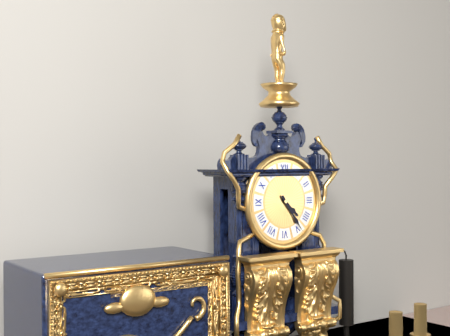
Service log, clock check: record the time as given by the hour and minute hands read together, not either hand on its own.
4:24
